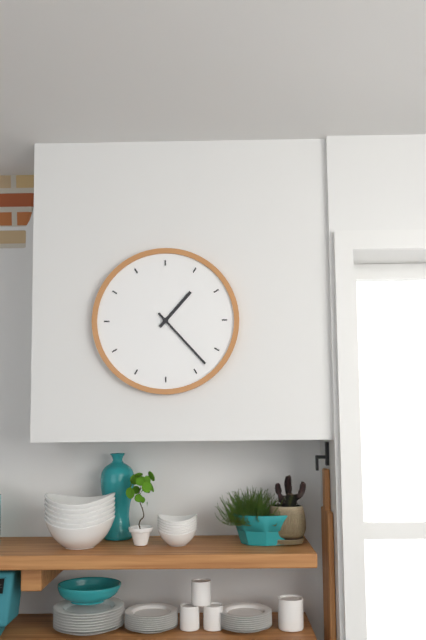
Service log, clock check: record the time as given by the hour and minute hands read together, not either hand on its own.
1:23
